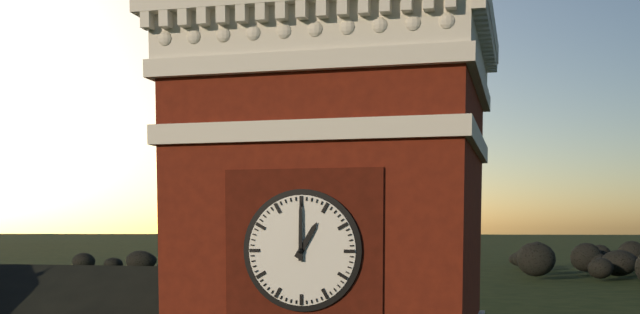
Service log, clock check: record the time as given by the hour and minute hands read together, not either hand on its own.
1:00
